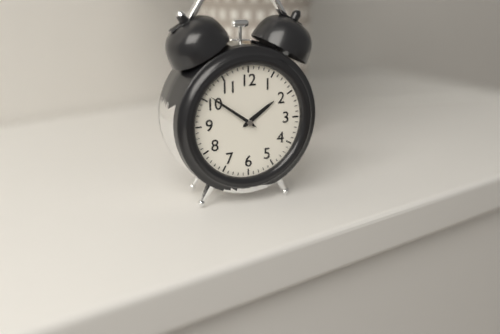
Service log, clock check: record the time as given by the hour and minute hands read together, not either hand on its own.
1:51
